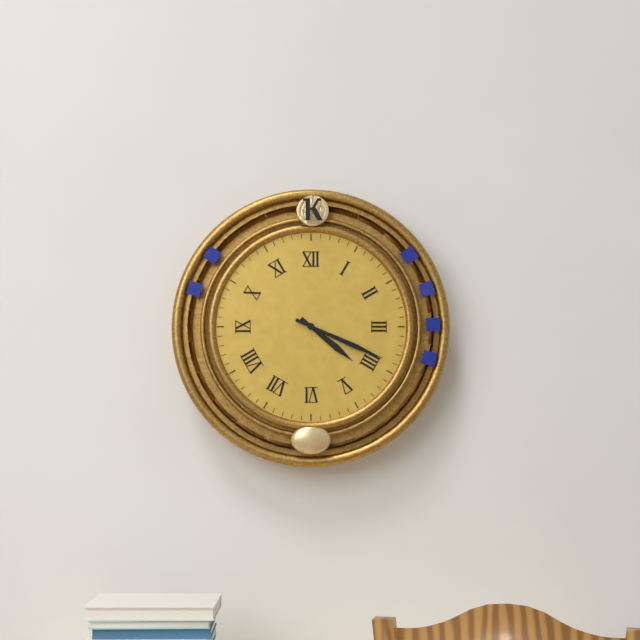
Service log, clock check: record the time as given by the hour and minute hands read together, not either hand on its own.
4:19
